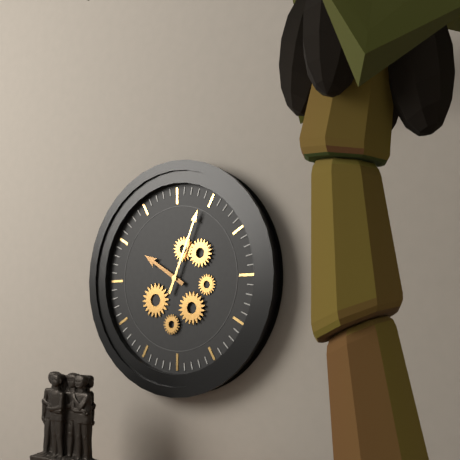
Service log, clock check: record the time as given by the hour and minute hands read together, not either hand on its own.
10:04
